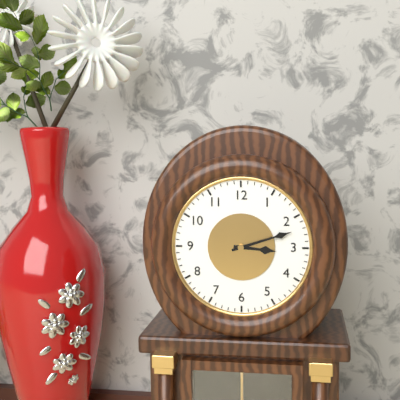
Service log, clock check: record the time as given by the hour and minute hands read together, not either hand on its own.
3:12
